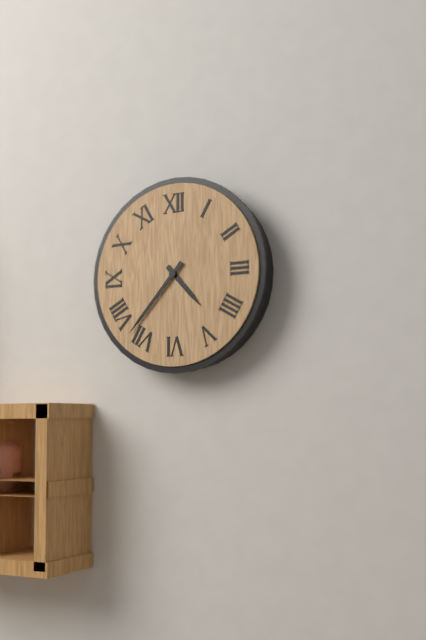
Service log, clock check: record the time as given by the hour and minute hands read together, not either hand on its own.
4:37
